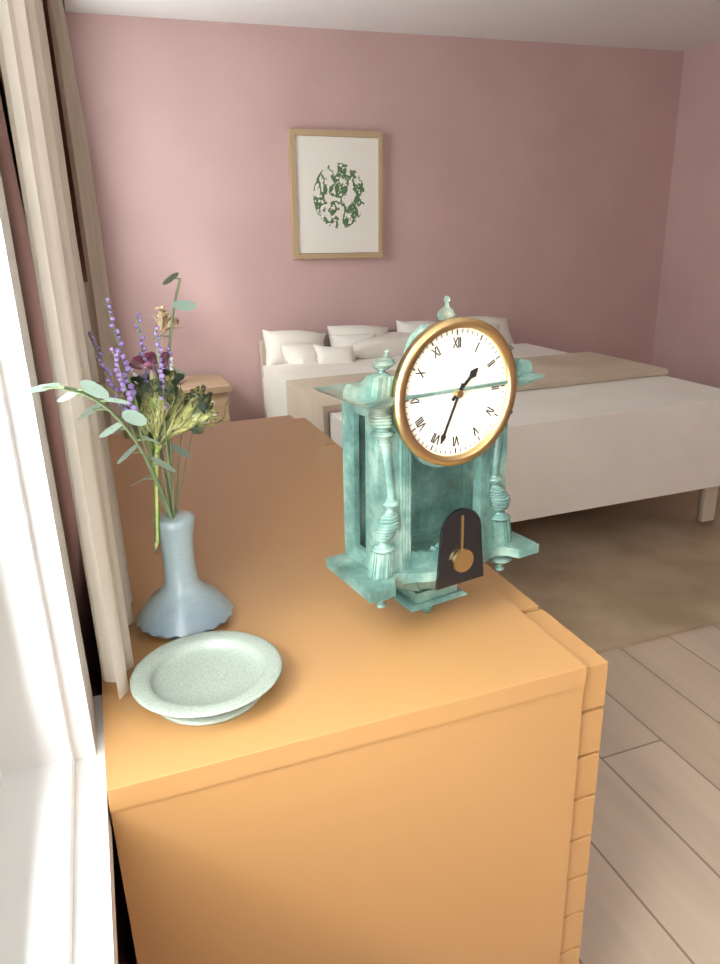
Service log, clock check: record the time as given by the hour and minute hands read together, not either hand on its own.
1:34
